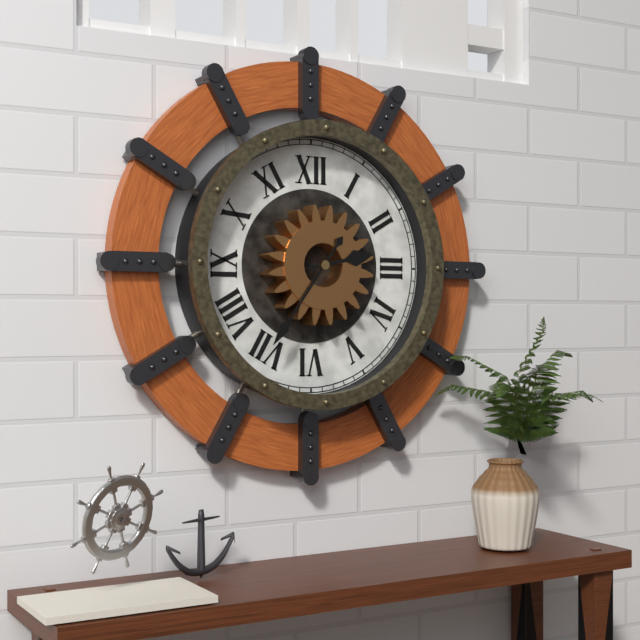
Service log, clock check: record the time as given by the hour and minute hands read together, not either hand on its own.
2:36
